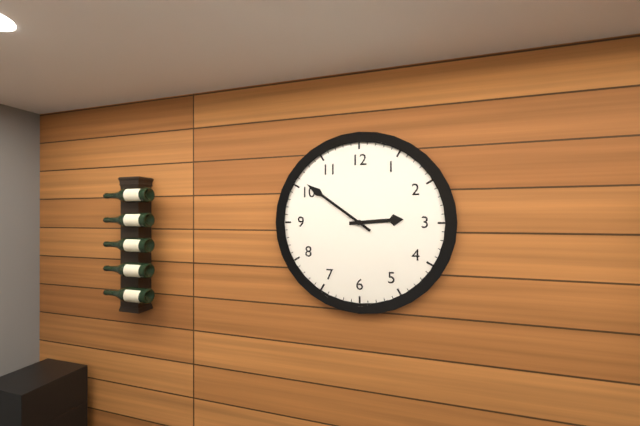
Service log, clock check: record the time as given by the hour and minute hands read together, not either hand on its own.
2:51
